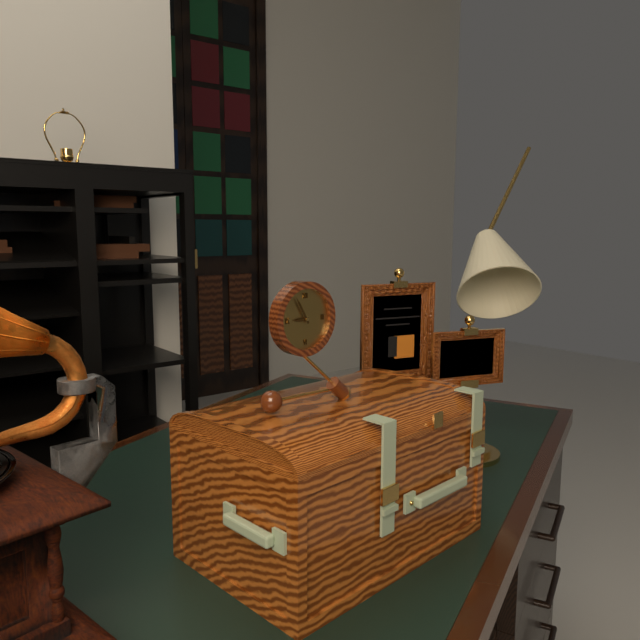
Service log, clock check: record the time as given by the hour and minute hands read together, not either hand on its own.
8:55
